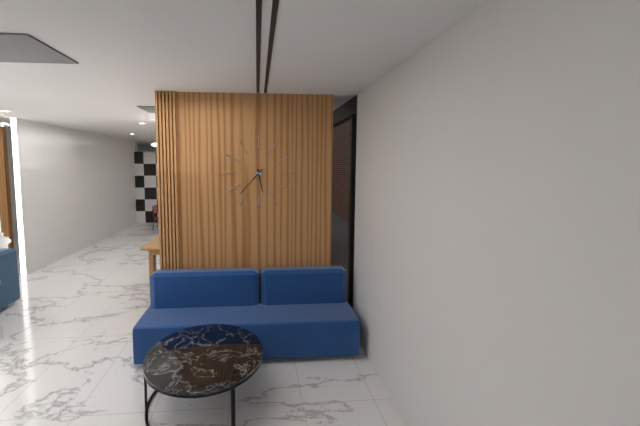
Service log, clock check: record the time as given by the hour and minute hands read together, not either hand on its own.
5:37
